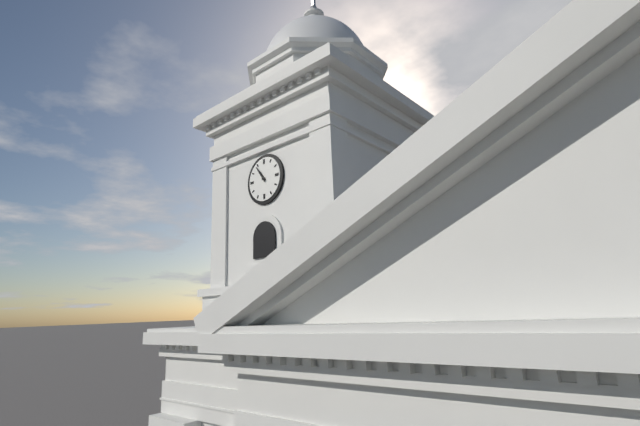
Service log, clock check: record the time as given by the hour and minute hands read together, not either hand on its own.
10:54
